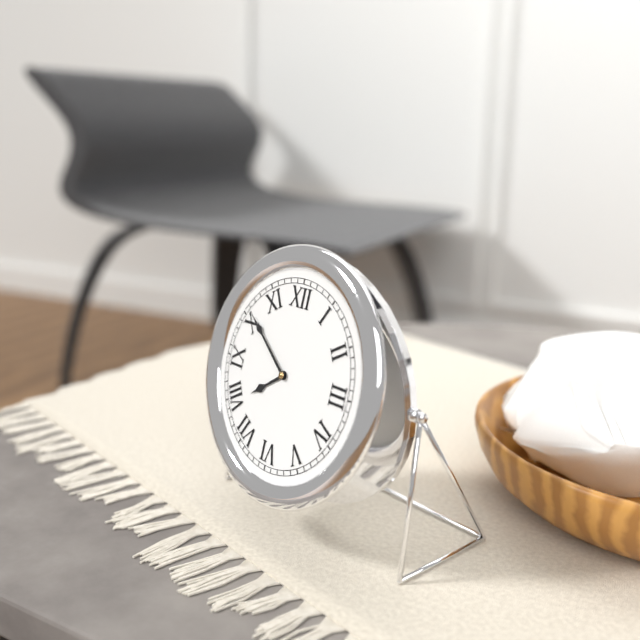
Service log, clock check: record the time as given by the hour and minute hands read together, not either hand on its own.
7:51
